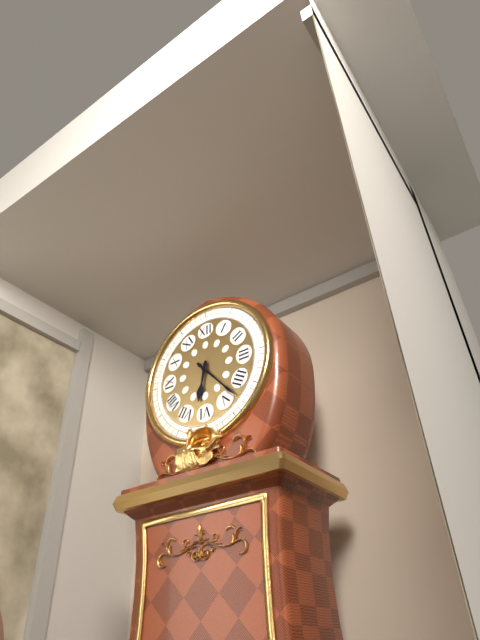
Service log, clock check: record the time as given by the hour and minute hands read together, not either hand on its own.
6:23
